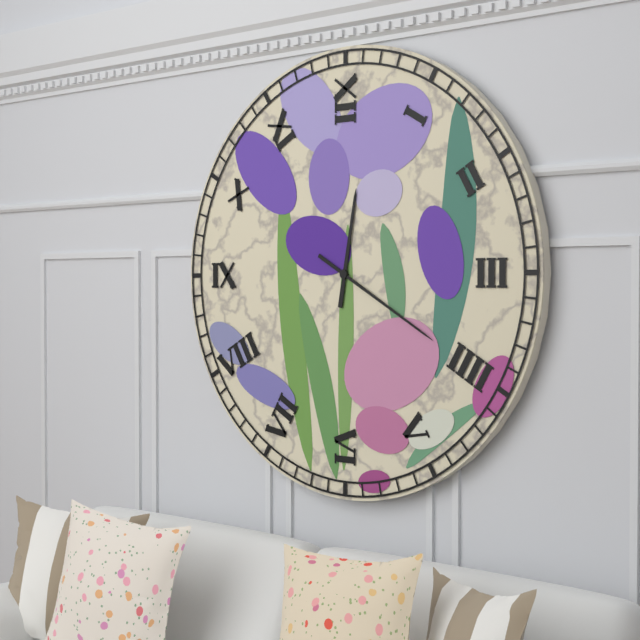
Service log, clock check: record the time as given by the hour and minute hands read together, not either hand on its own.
12:20
